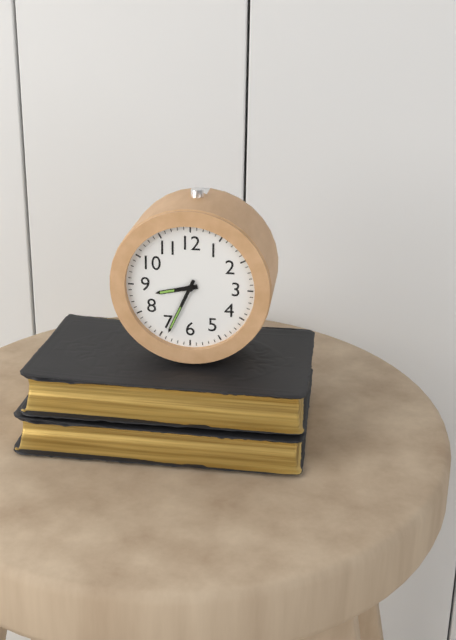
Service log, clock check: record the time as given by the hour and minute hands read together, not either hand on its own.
8:34
